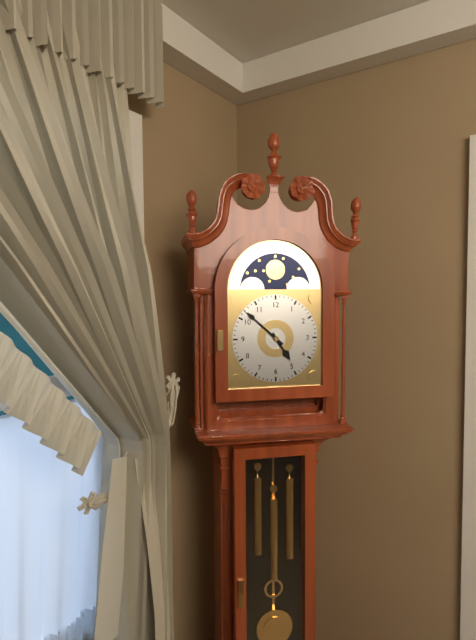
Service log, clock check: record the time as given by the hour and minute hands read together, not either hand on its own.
4:52
